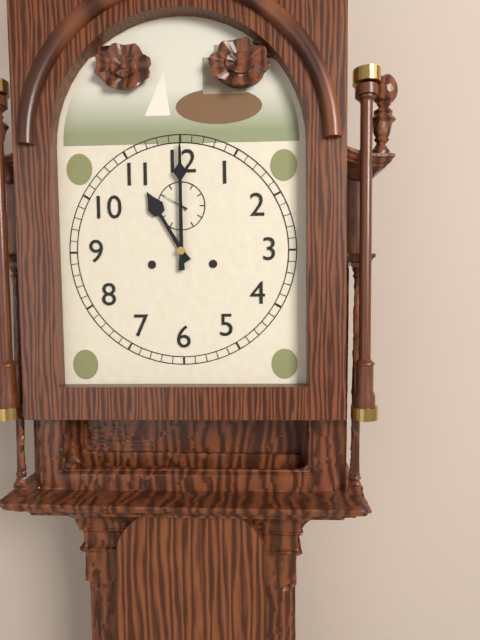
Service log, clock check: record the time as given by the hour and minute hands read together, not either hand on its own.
11:00
